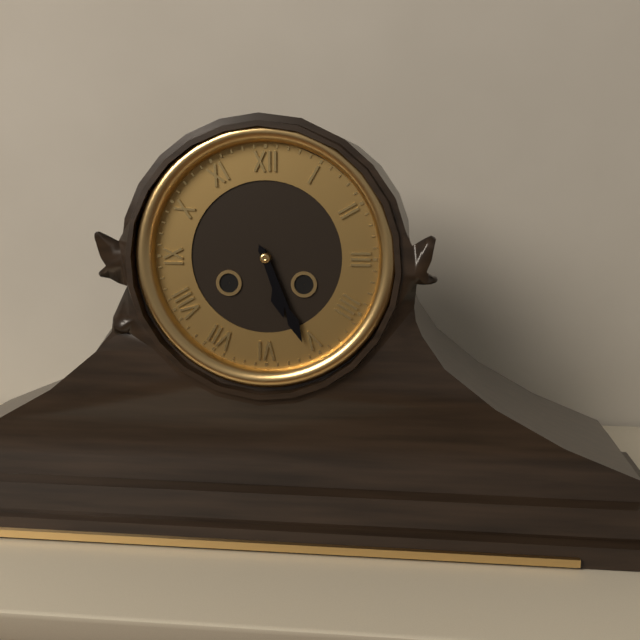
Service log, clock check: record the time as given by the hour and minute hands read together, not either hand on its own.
5:26
